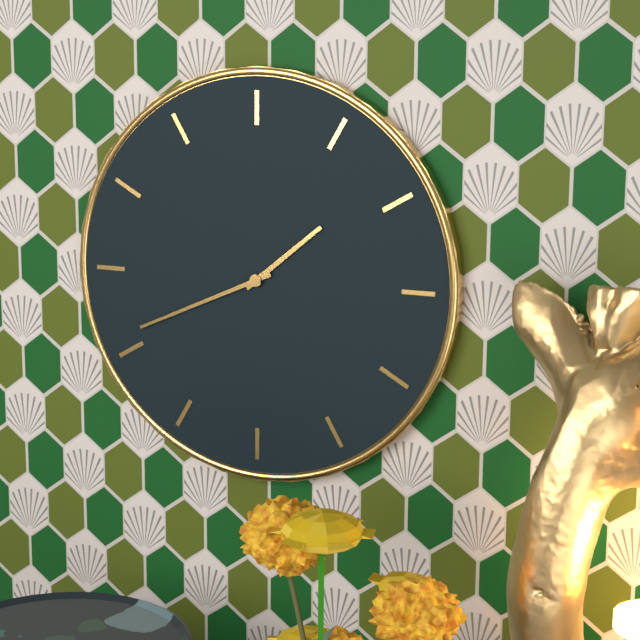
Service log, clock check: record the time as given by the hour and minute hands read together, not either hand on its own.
1:41
